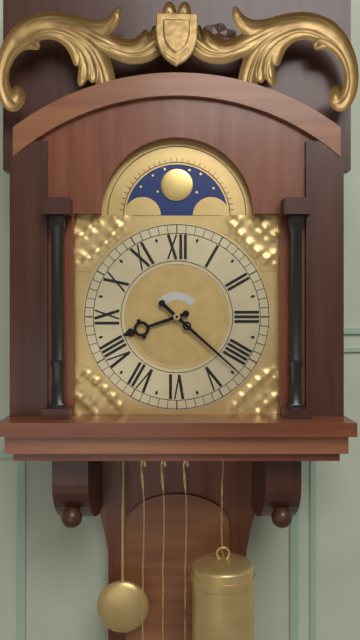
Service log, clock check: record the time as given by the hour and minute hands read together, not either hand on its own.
8:22
